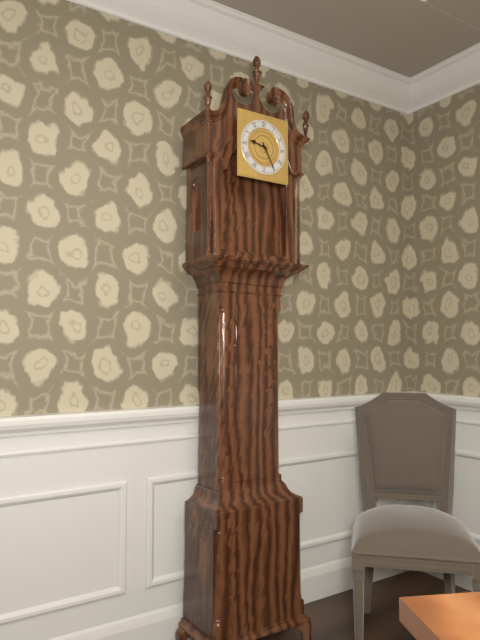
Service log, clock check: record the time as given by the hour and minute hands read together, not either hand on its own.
9:25
